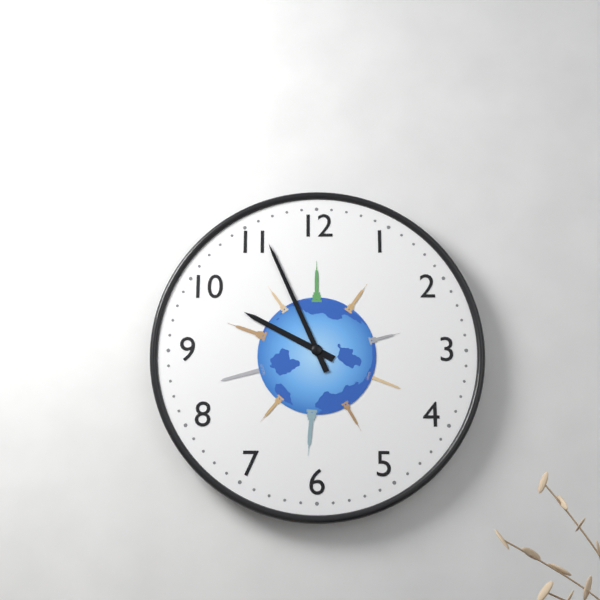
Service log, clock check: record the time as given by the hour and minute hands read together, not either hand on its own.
9:56
